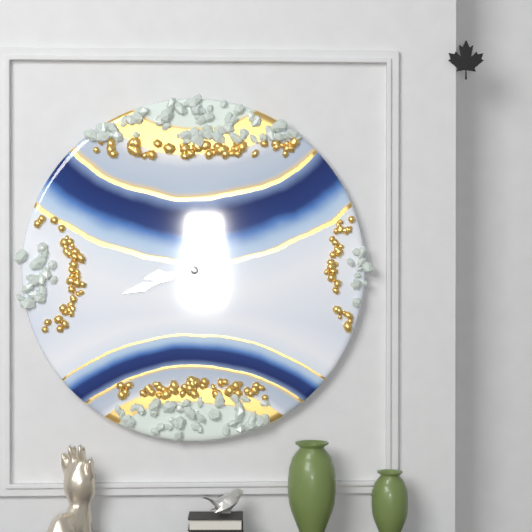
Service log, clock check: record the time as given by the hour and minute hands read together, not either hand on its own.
8:42
